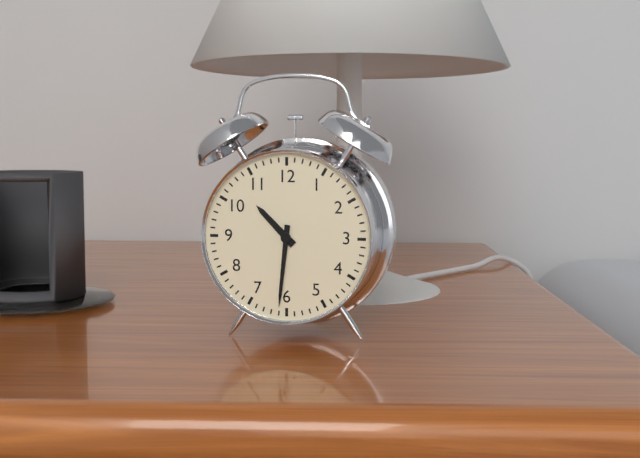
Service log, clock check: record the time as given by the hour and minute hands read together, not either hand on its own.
10:31
